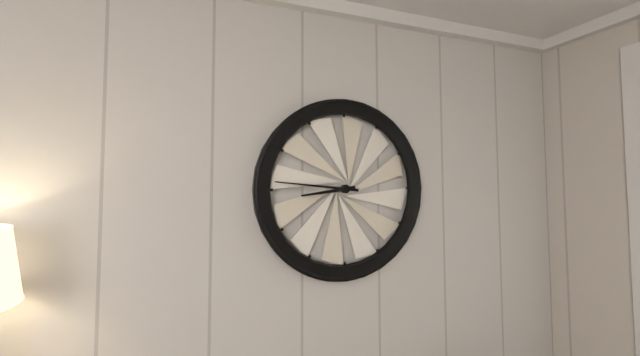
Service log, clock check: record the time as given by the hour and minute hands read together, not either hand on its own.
8:46
